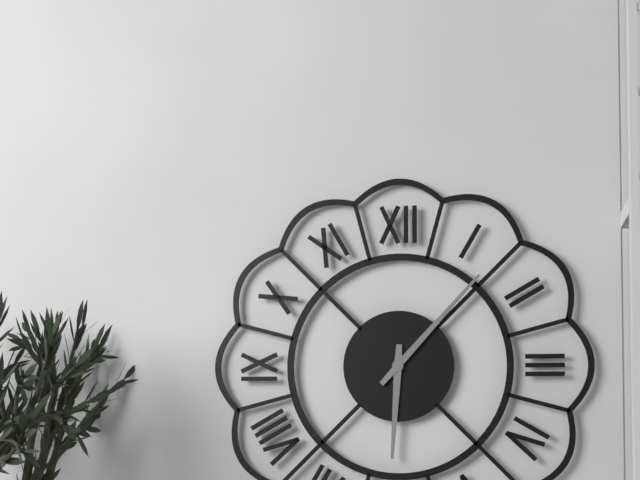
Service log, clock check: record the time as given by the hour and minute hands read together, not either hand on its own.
6:07
